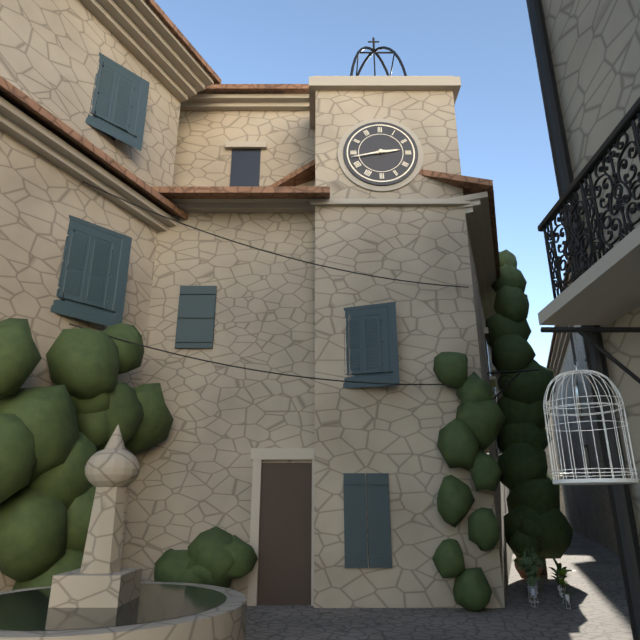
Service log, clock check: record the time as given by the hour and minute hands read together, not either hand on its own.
2:43
